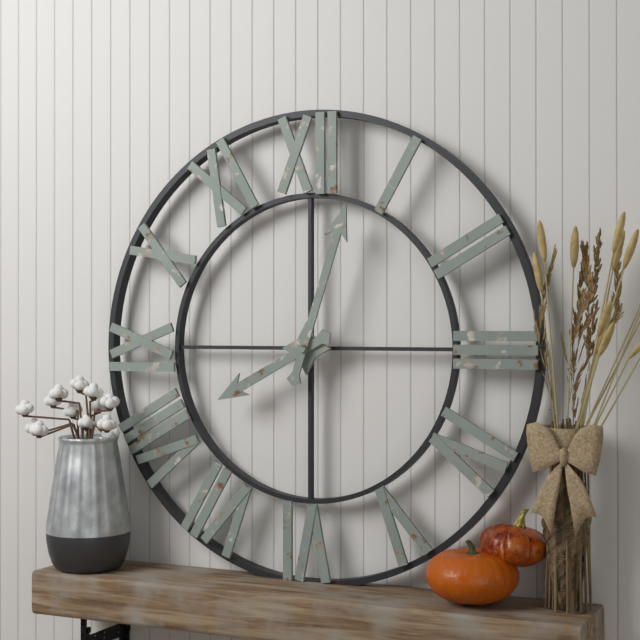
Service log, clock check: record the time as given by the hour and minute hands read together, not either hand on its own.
8:03
